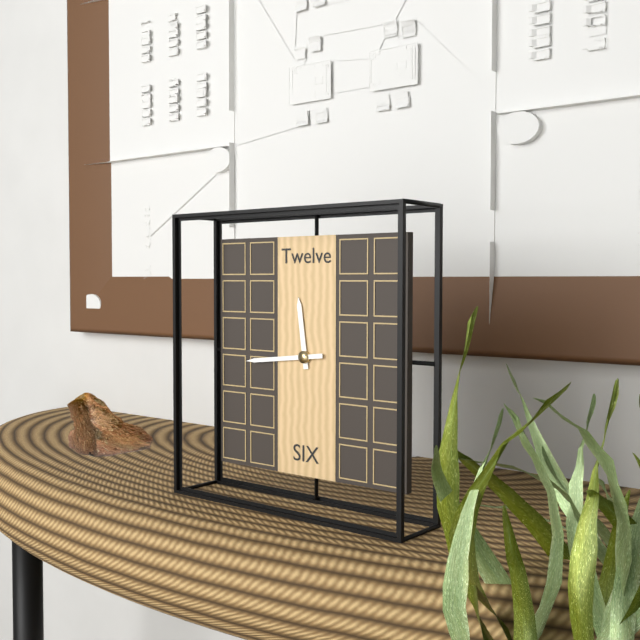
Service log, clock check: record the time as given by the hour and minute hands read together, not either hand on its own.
11:44
